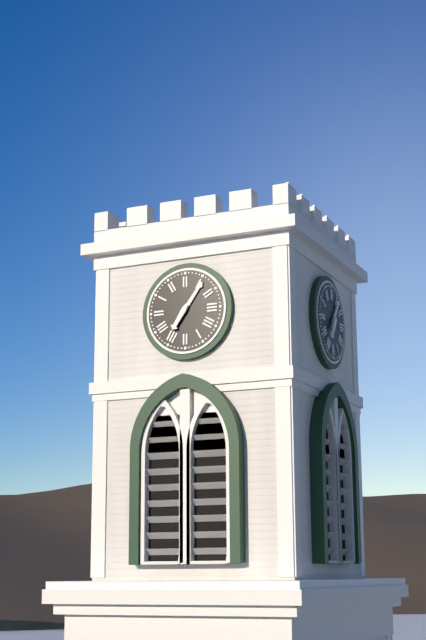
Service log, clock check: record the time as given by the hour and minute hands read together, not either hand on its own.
7:06
